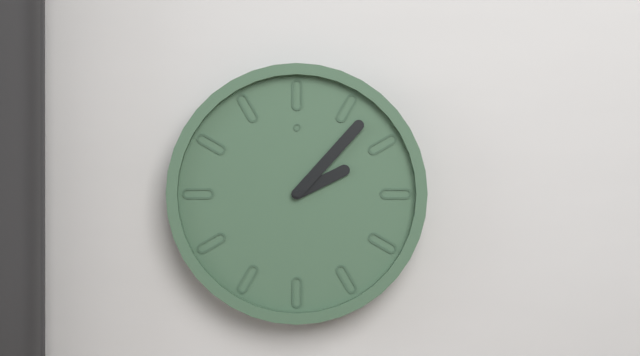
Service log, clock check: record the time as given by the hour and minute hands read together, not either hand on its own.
2:07
